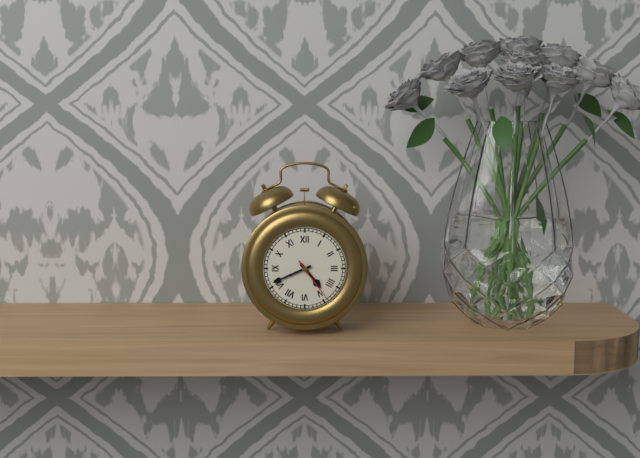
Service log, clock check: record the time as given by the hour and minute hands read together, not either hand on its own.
4:41
